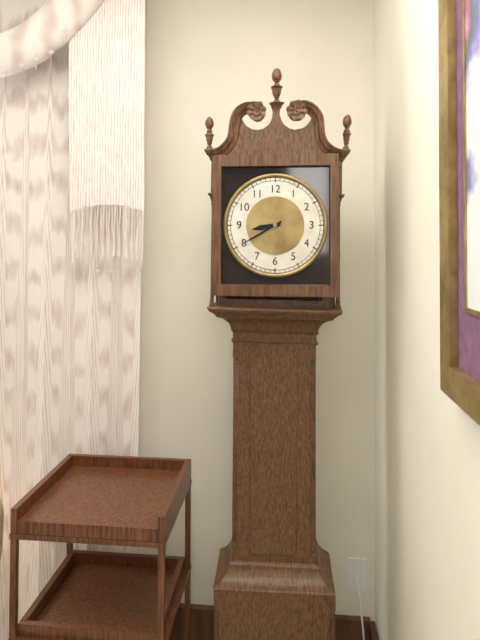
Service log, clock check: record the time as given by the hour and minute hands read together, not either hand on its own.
8:40
